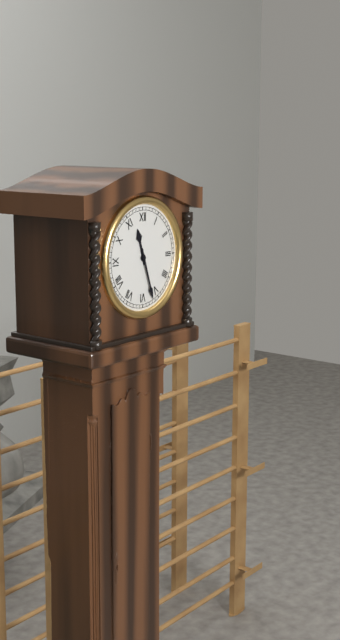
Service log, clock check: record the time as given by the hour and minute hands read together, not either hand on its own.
11:27
